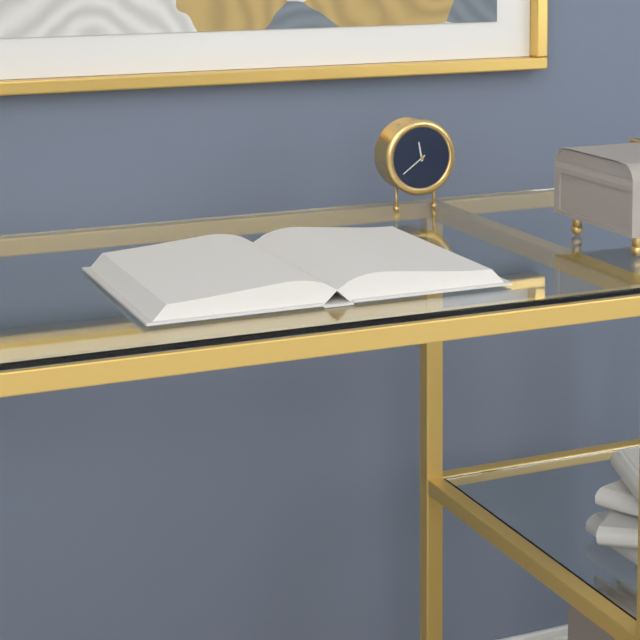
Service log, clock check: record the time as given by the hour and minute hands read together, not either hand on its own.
11:39
